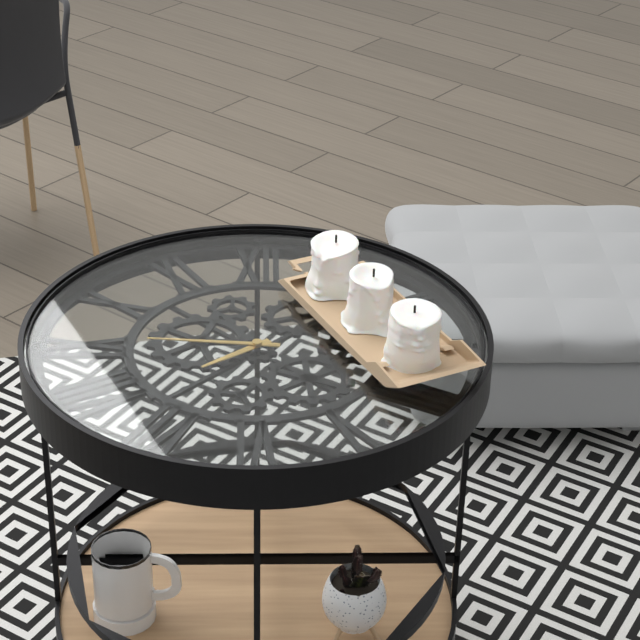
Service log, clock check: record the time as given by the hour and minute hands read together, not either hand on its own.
7:46
